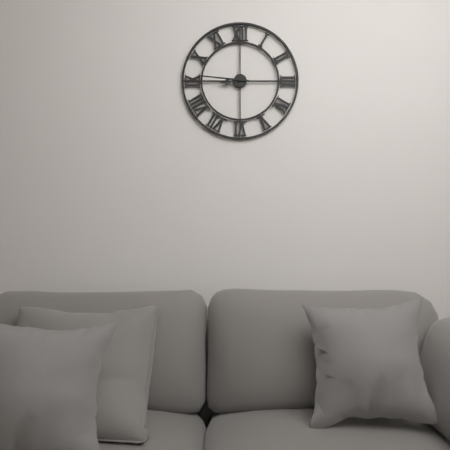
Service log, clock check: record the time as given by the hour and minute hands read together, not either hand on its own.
8:46
